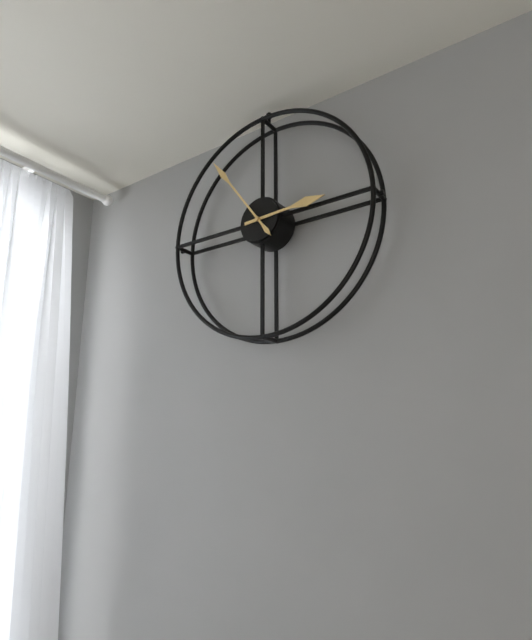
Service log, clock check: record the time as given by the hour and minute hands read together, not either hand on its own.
2:54
